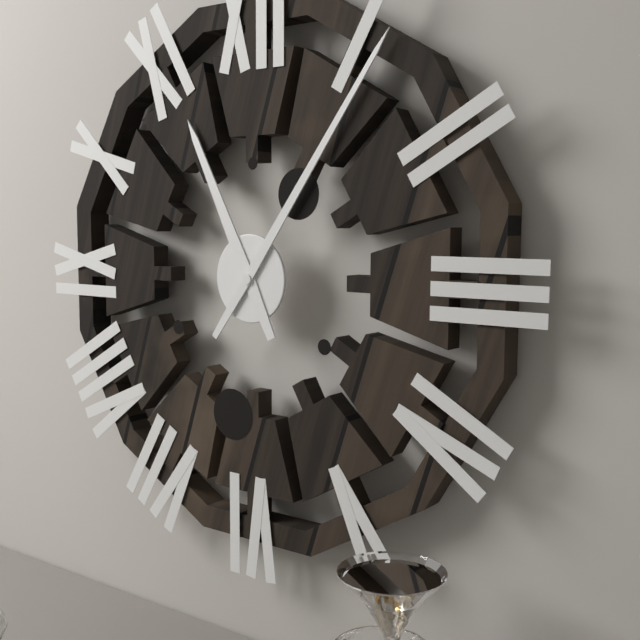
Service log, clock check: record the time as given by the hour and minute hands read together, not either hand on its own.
11:06
